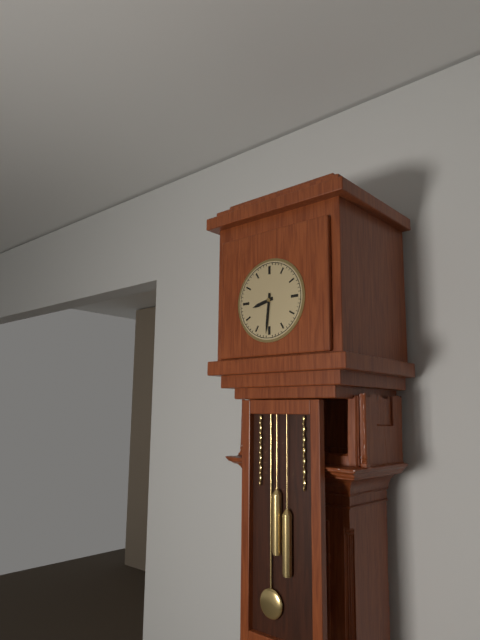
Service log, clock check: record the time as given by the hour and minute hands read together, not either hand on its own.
8:31
